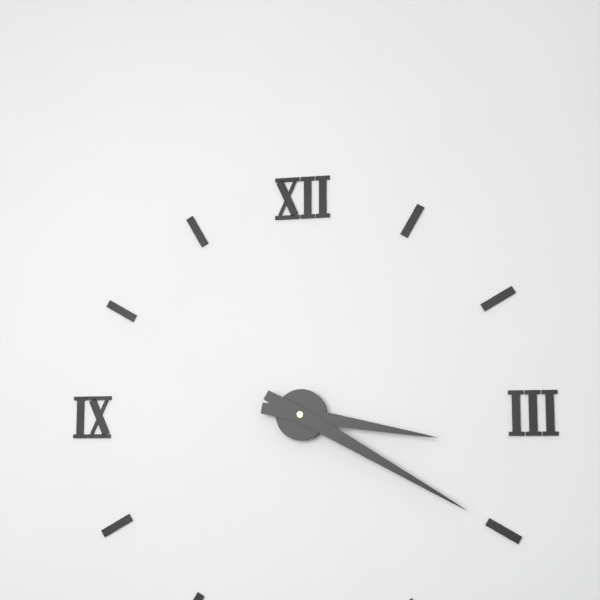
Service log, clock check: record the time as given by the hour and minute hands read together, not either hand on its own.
3:20
